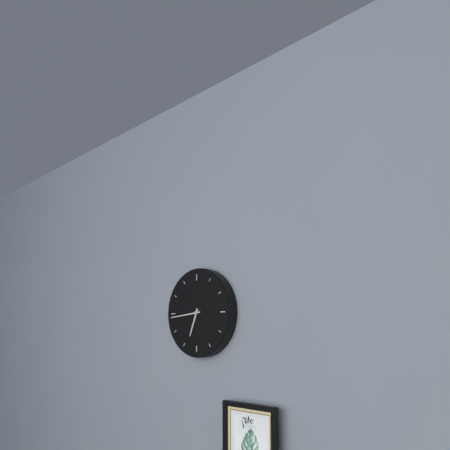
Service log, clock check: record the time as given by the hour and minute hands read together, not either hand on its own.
6:44
